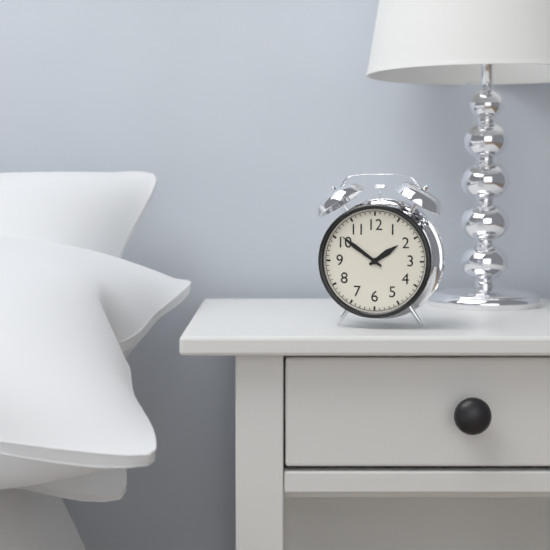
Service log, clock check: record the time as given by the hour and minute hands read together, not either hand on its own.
1:51
